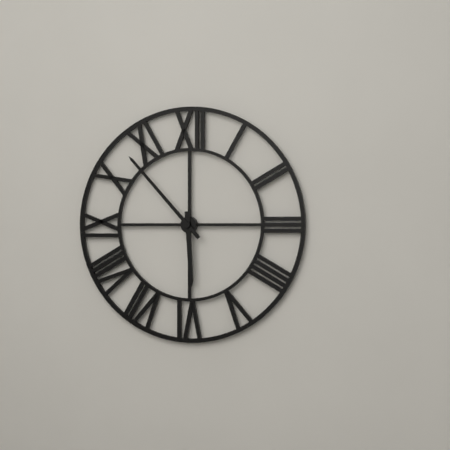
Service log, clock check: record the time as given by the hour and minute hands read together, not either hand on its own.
5:53
